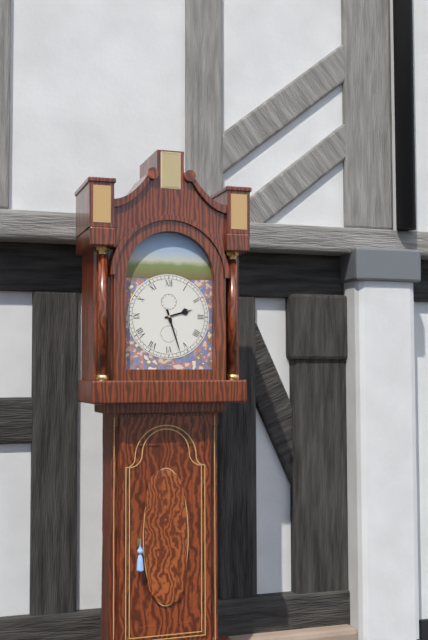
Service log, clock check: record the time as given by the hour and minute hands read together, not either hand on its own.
2:27
